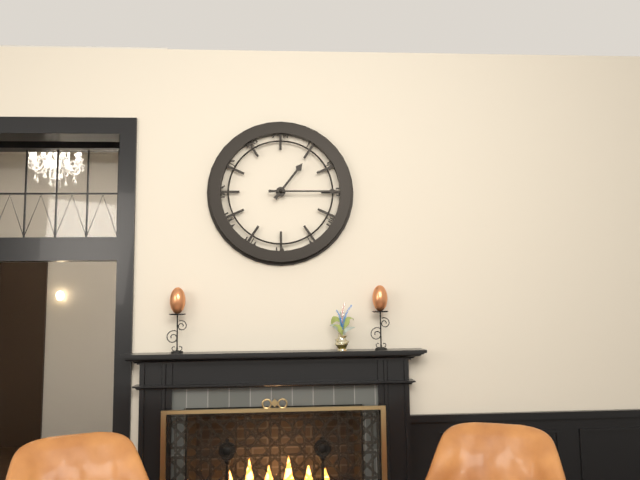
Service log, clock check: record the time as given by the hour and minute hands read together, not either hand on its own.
1:15
